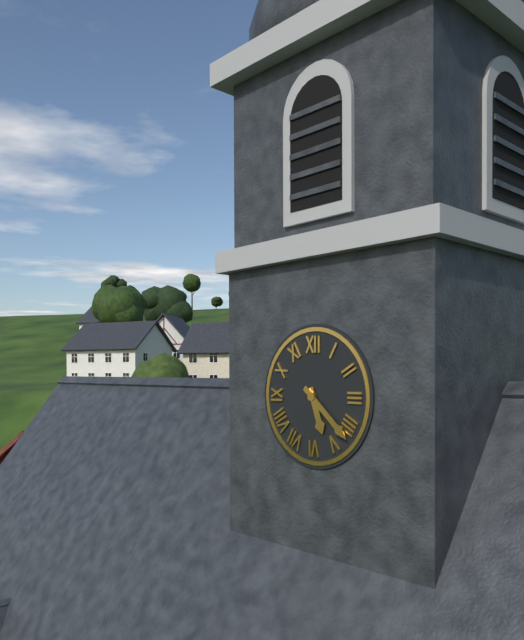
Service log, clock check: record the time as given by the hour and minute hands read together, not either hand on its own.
5:22
